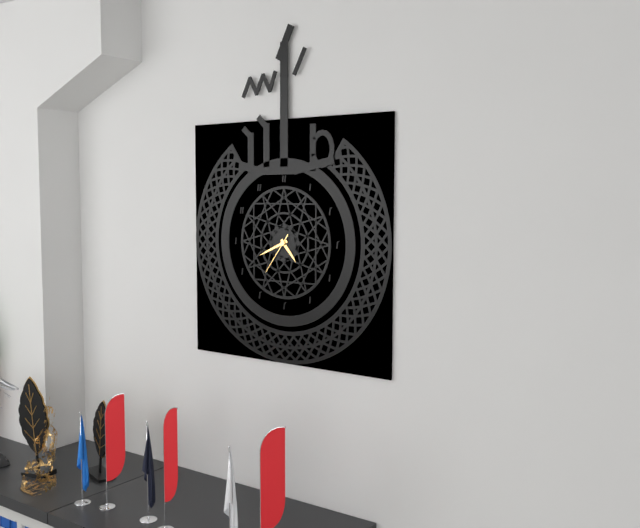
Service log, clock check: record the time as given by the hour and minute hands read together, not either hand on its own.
4:41
